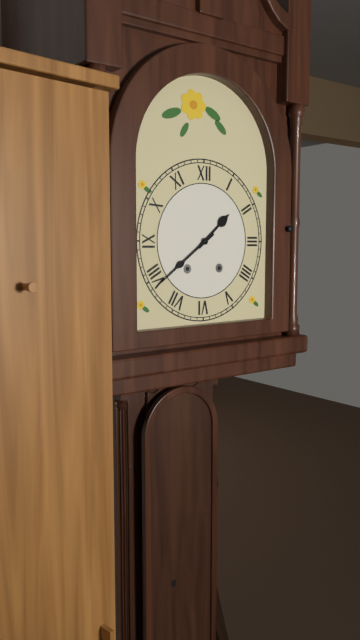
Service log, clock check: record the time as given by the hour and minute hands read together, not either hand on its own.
1:39
